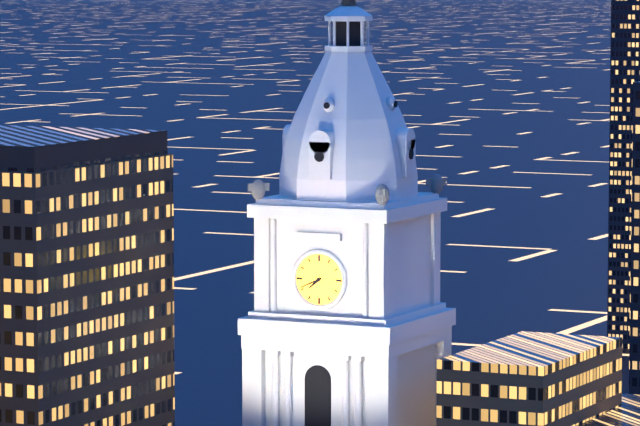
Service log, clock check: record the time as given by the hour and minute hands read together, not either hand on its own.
7:41
